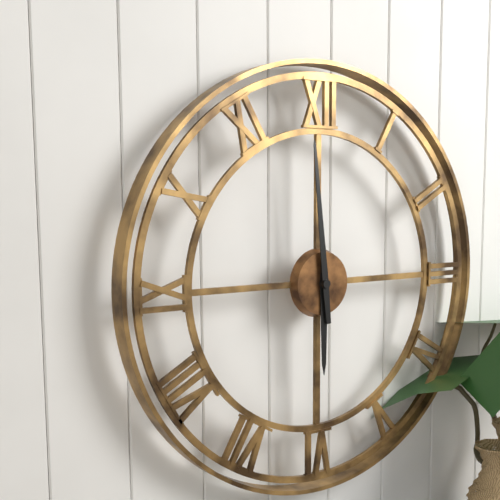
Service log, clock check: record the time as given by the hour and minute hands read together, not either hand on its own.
5:59
